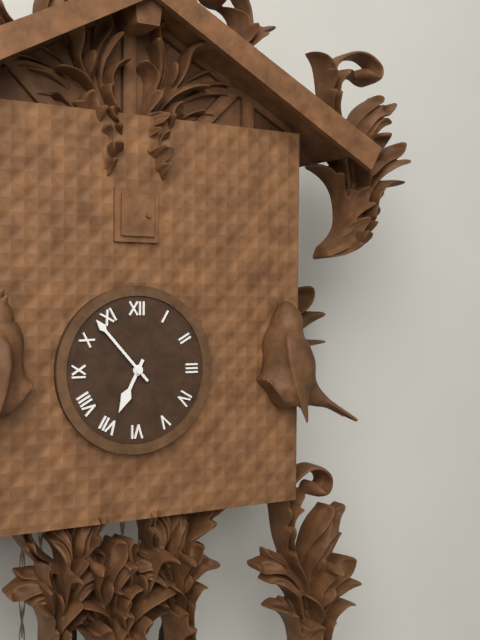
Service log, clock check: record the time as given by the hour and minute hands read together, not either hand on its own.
6:53
